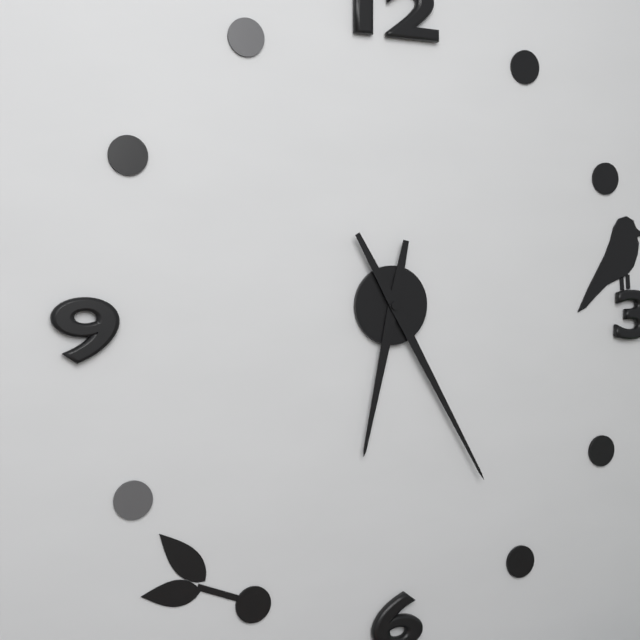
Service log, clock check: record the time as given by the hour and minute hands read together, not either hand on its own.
6:25
